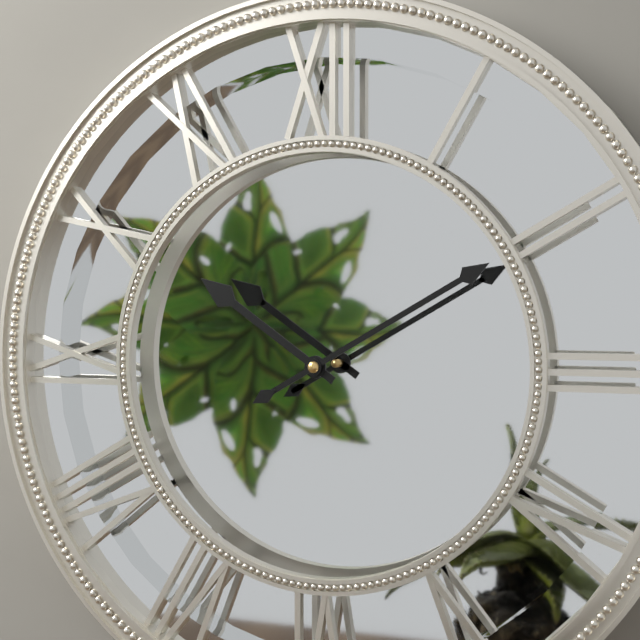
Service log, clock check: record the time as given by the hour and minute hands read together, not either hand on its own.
10:10
